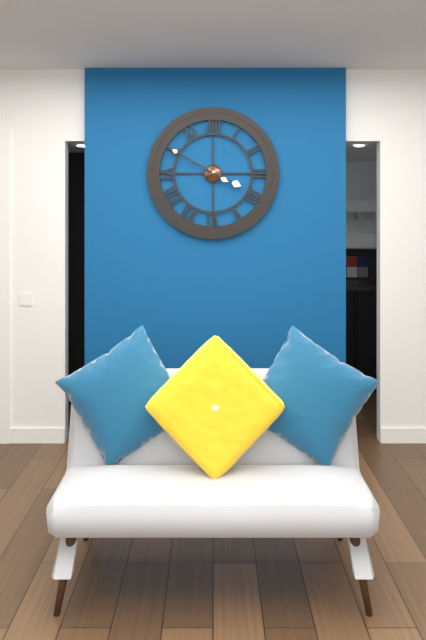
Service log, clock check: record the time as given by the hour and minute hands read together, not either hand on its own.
3:50
